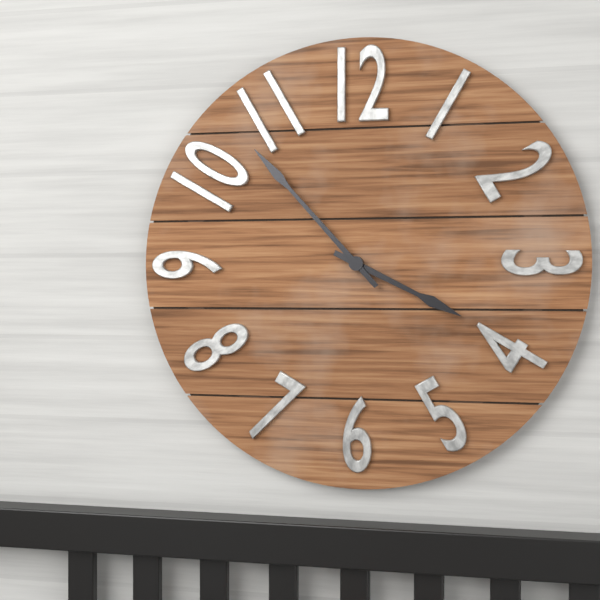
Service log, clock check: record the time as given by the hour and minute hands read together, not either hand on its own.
3:53
